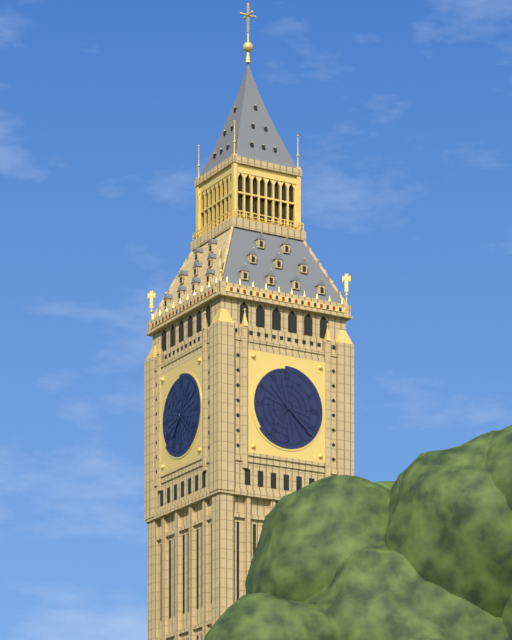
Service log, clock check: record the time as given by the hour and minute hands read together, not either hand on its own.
7:22
